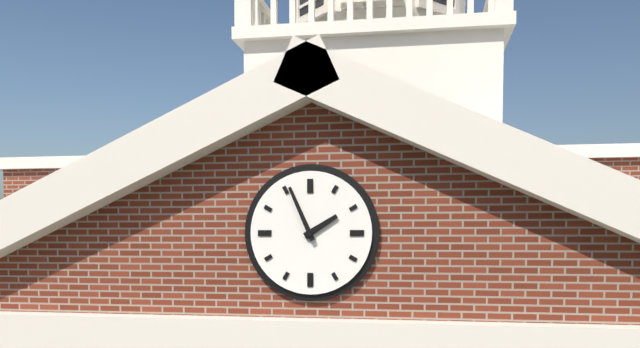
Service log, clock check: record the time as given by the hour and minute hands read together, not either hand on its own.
1:56
